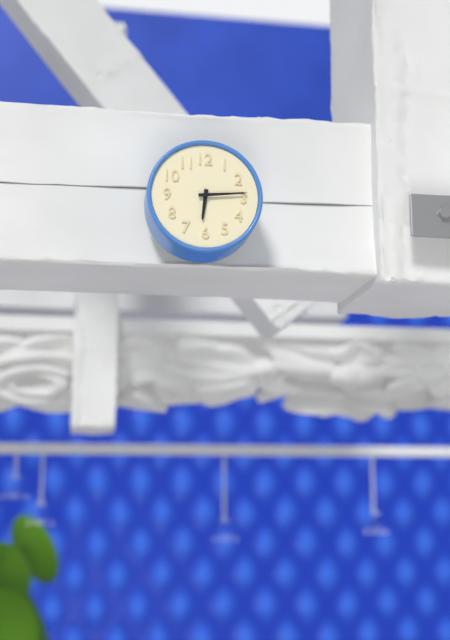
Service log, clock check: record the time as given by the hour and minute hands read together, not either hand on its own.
6:14
